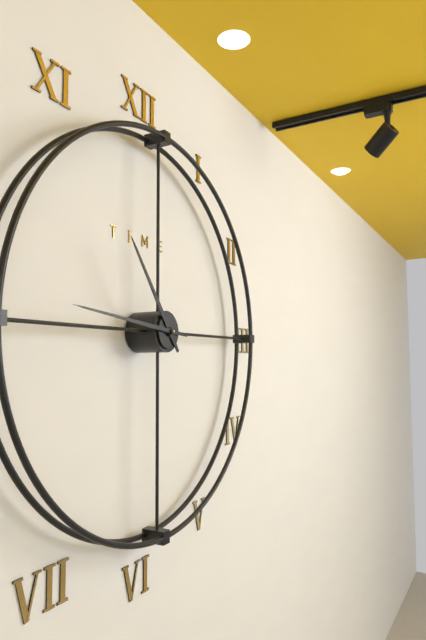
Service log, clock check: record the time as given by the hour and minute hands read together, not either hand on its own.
10:46
